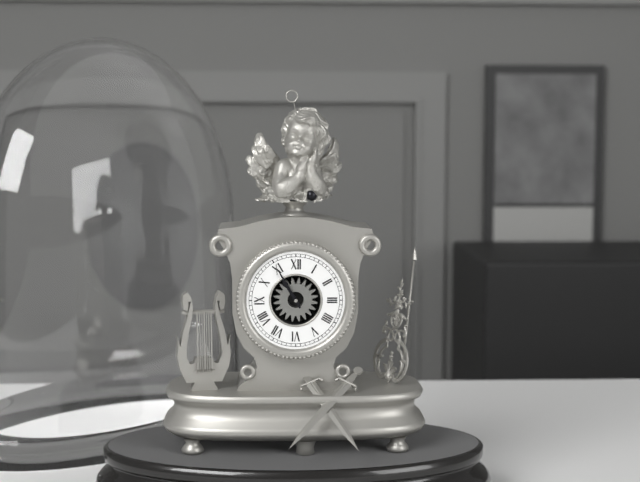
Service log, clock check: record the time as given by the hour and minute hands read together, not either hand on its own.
10:55
